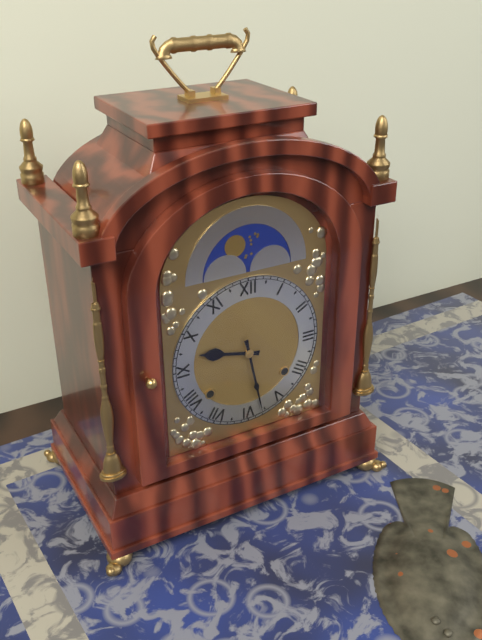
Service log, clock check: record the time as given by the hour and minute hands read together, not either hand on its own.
9:28
